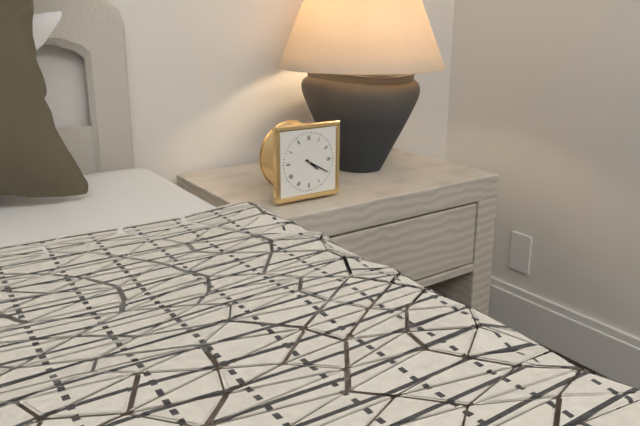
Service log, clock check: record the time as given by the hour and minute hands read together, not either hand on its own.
4:20
